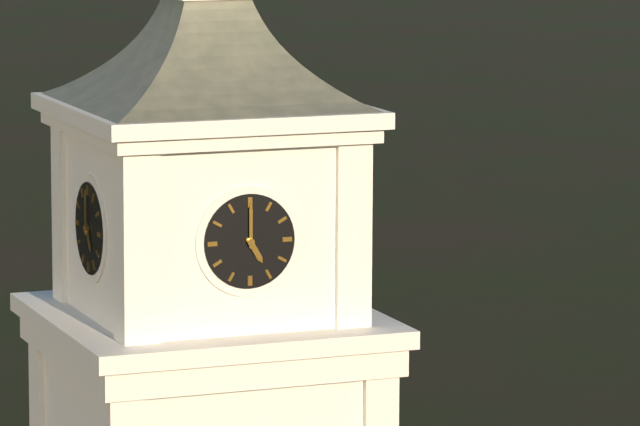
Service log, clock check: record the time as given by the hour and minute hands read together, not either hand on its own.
5:00
